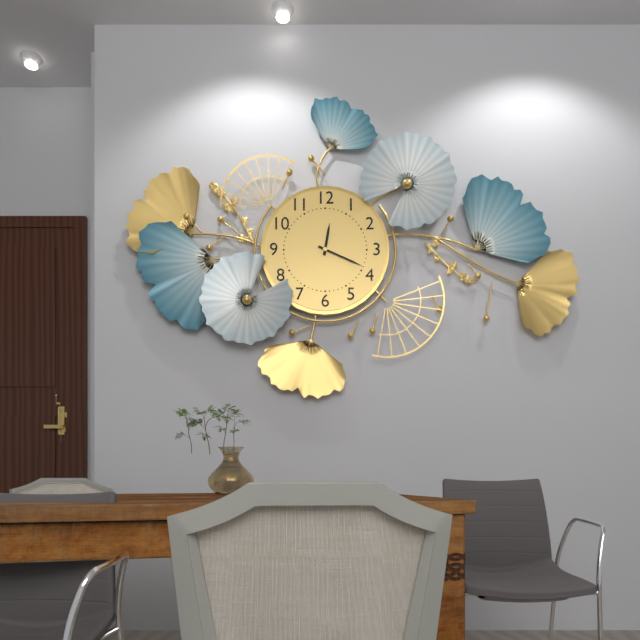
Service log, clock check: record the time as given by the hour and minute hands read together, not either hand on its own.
12:19
